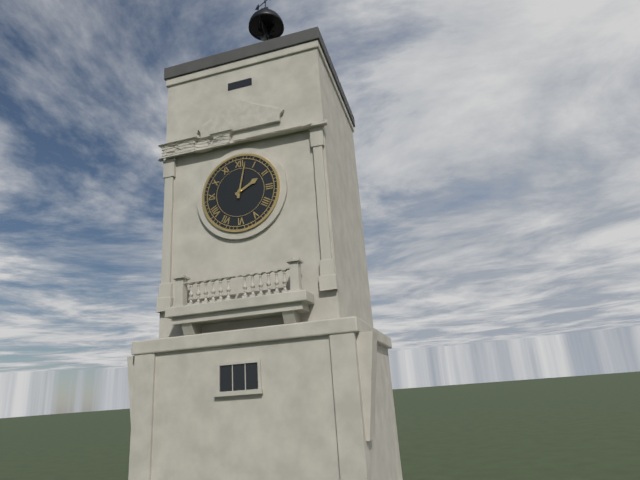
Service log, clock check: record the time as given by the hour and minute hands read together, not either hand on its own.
2:02
